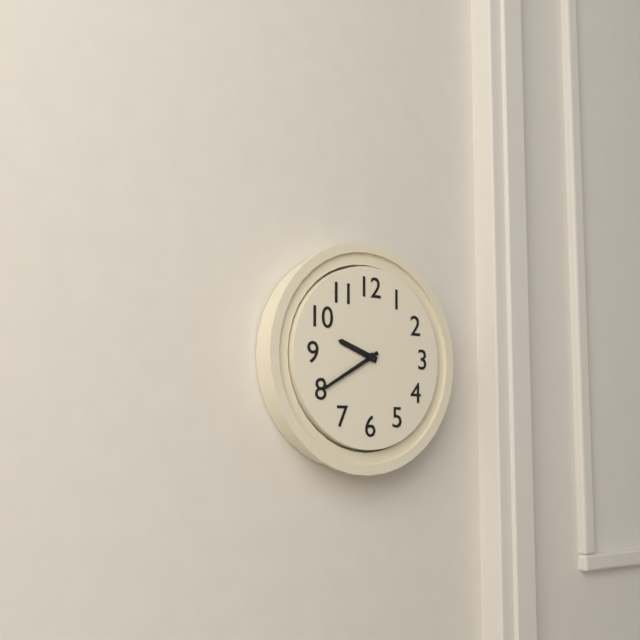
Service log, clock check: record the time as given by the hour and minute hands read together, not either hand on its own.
9:40
